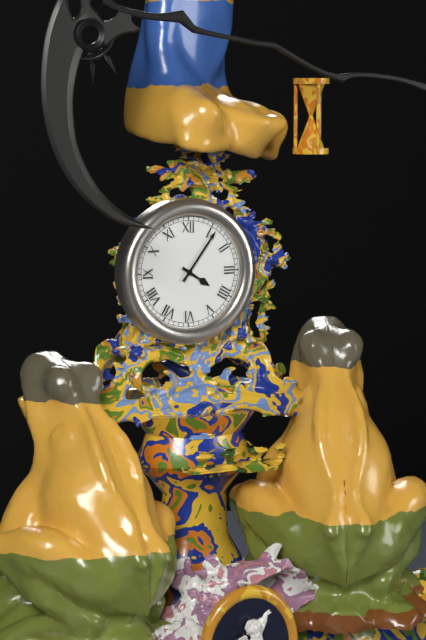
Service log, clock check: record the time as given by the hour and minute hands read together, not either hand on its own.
4:06
